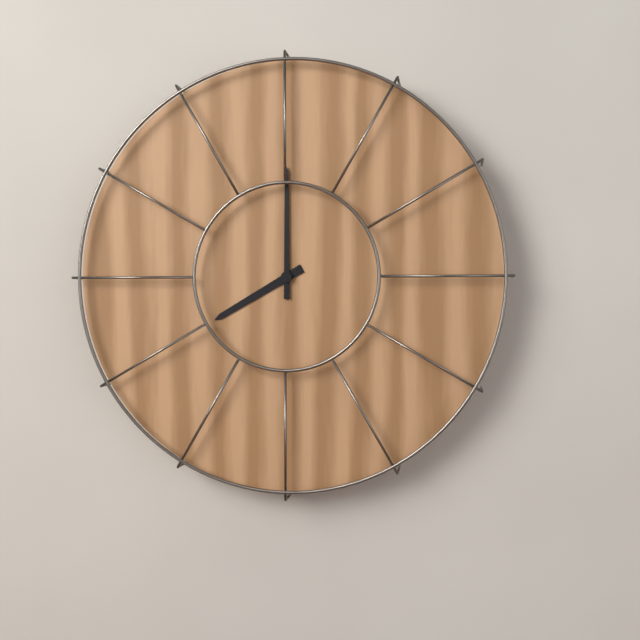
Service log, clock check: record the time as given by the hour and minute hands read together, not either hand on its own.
8:00
